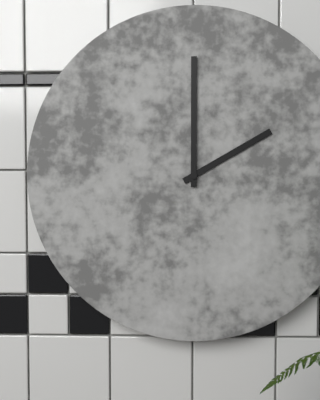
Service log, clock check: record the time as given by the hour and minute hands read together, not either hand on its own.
2:00
